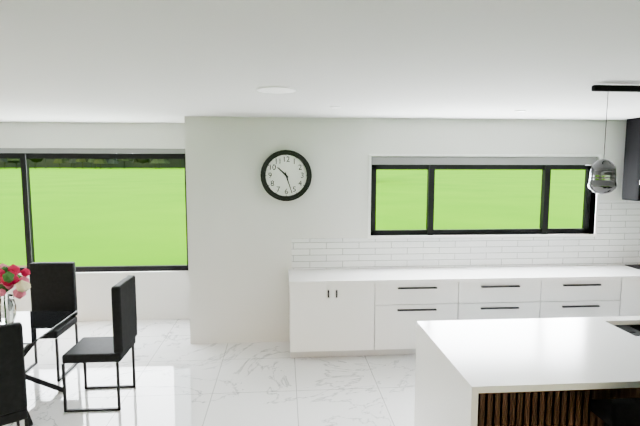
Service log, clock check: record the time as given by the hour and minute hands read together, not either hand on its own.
10:27
